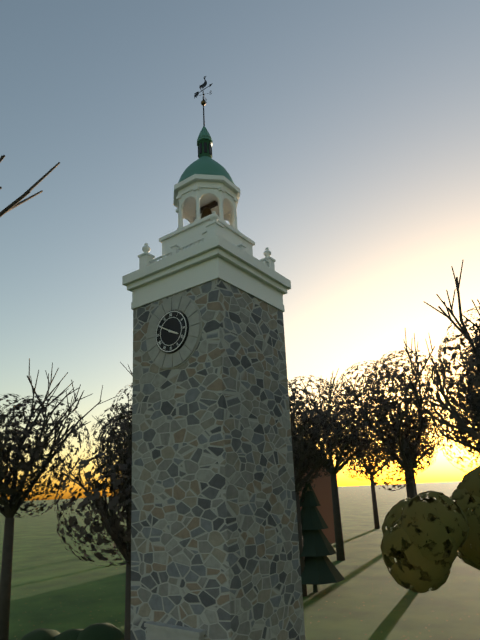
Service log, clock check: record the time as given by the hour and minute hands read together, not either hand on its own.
3:50
